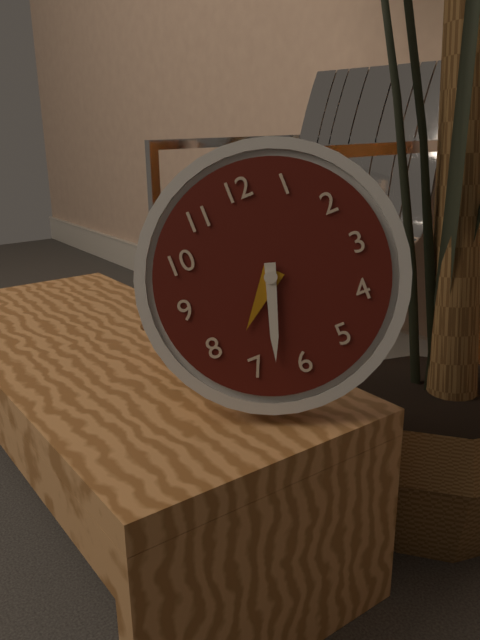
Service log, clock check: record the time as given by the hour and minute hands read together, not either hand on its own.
7:33
